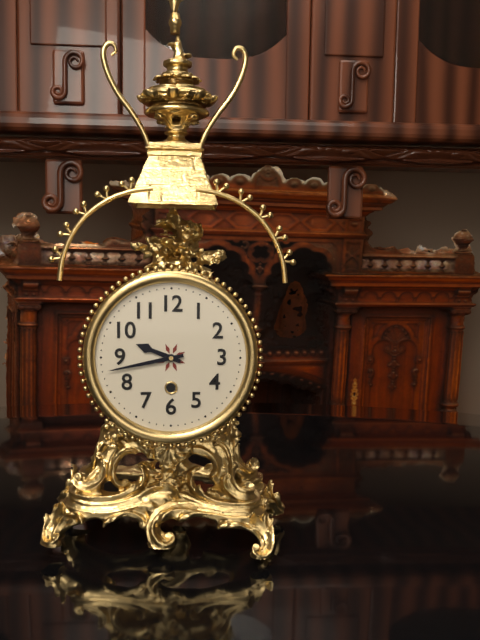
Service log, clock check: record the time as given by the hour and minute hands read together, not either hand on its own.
9:43
